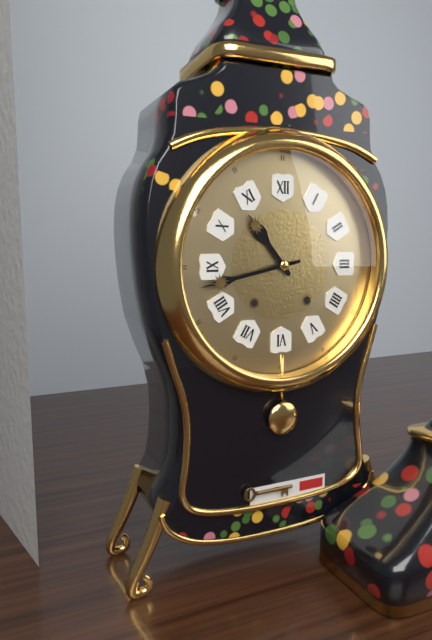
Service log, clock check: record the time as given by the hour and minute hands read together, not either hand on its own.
10:43
